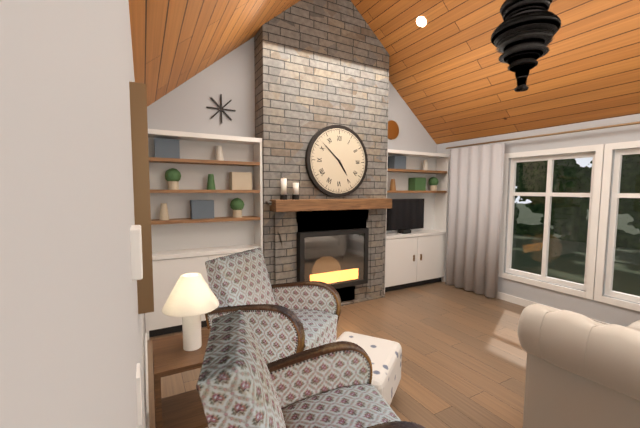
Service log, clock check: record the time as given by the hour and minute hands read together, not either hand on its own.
4:52
